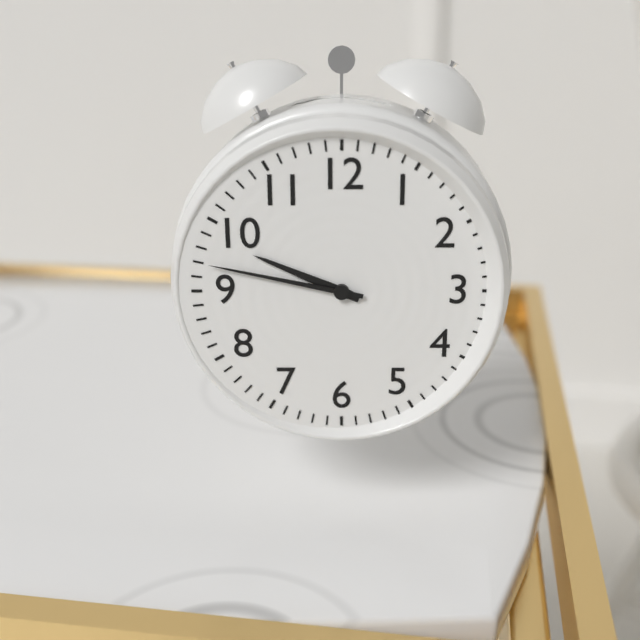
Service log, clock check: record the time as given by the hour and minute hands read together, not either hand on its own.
9:47
